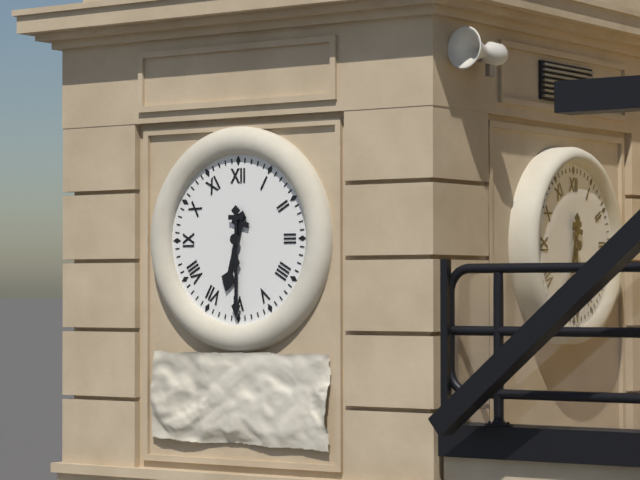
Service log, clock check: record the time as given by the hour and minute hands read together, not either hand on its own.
6:30
